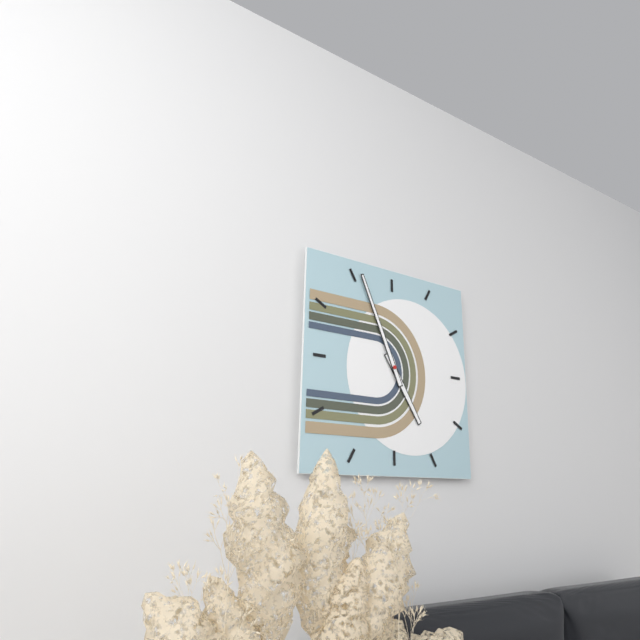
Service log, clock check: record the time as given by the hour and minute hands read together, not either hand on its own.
4:56
